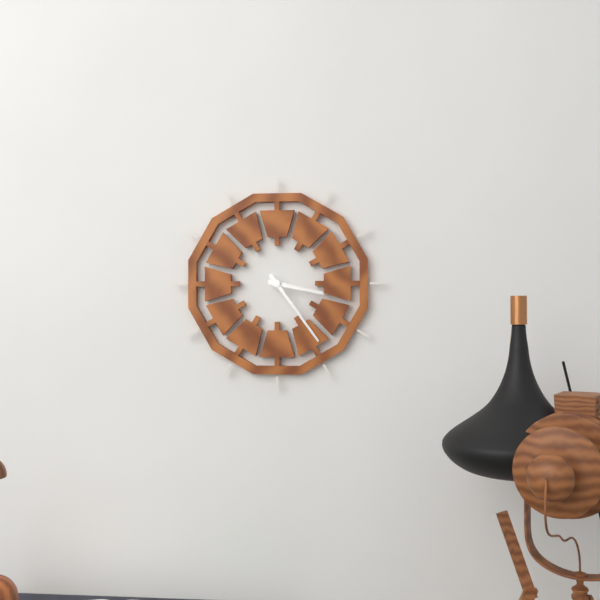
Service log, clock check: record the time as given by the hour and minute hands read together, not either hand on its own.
3:24
